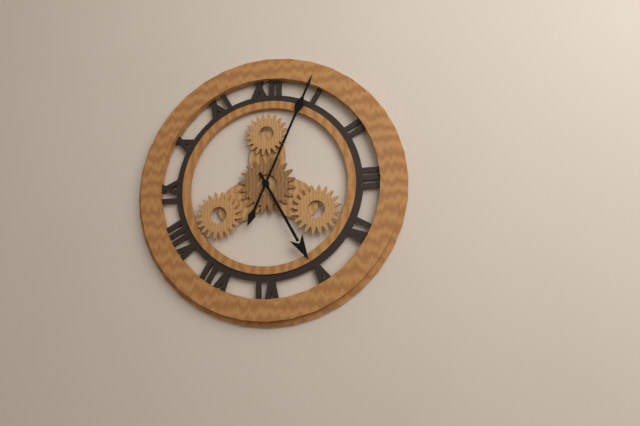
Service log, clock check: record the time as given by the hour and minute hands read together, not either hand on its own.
5:04
